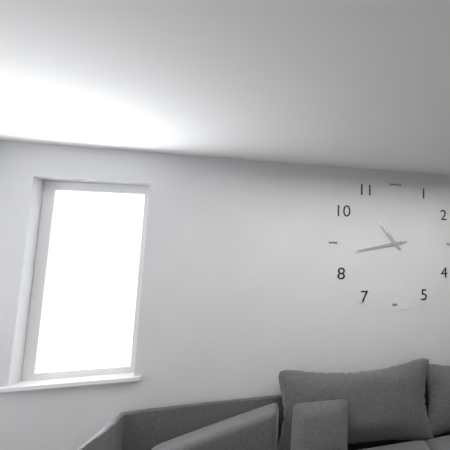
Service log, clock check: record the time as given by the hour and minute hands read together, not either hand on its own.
10:43
